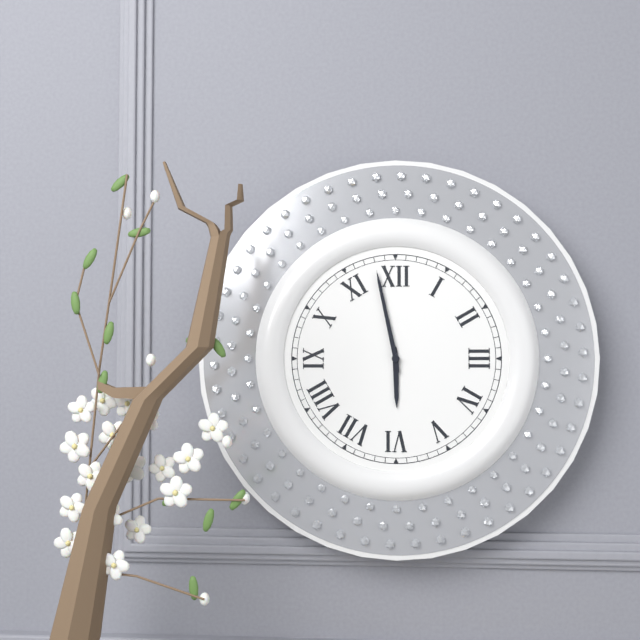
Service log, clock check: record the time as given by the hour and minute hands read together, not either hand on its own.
5:58
